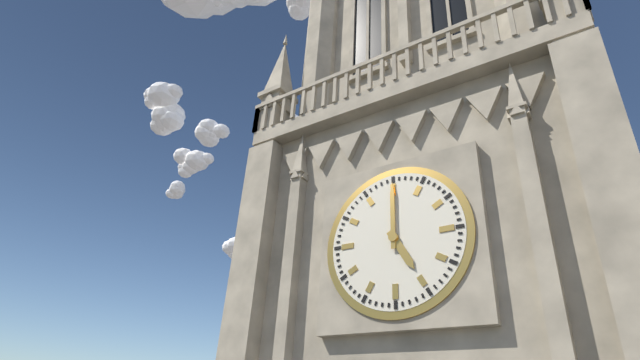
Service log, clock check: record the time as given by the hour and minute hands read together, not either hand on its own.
5:00
